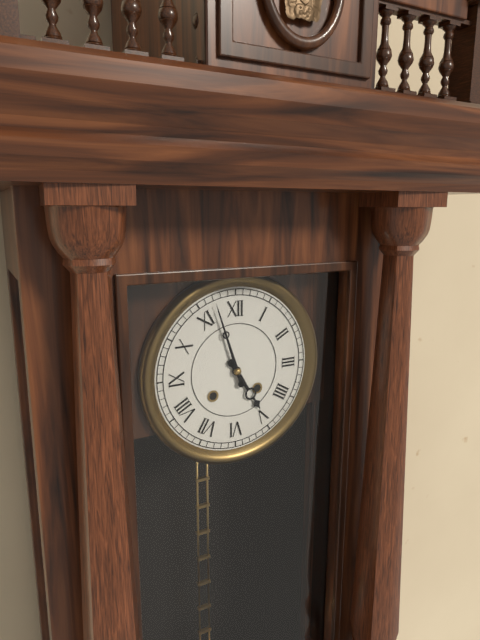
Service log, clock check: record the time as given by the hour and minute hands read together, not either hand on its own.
4:57
